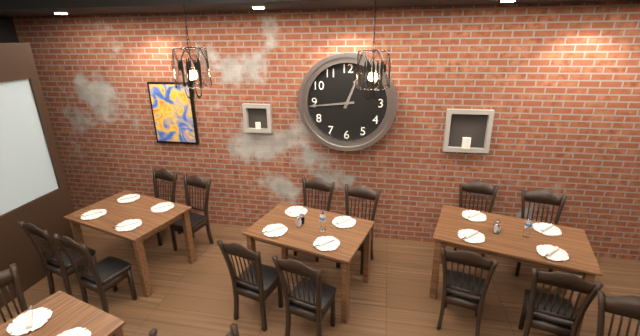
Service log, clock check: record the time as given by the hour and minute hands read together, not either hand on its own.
12:44
